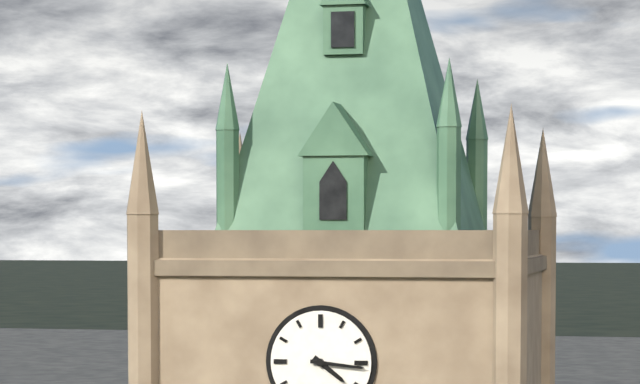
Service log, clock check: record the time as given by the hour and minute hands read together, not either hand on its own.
4:16
